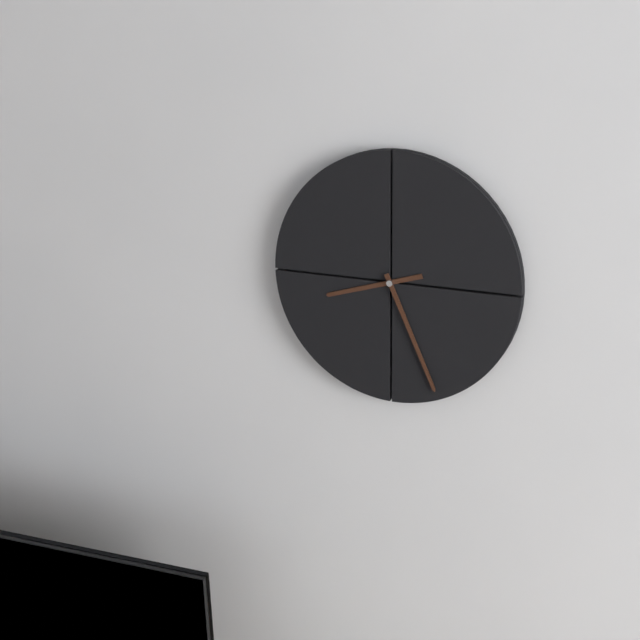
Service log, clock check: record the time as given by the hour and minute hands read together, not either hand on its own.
8:26
